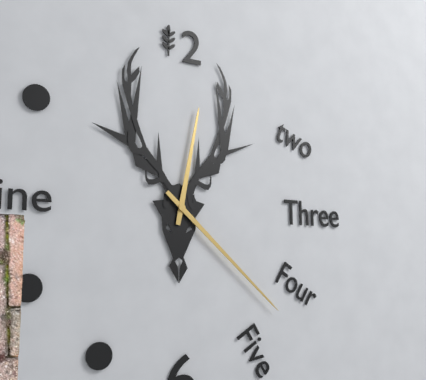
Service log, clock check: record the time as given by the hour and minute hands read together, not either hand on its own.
12:22
